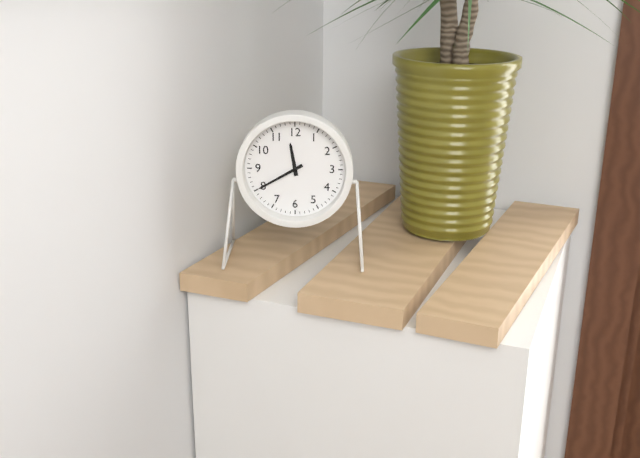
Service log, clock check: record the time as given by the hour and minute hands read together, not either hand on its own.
11:40
